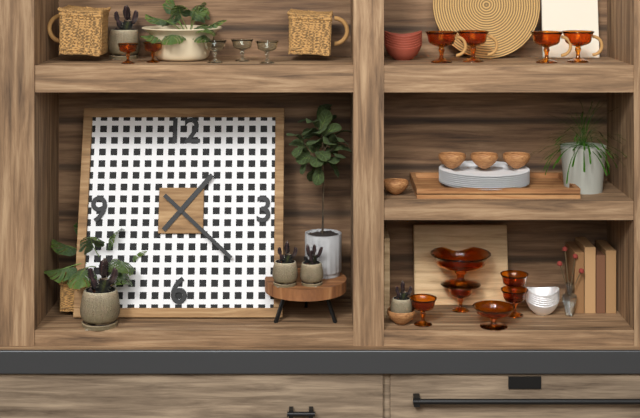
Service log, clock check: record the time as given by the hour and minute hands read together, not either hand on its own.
1:22
